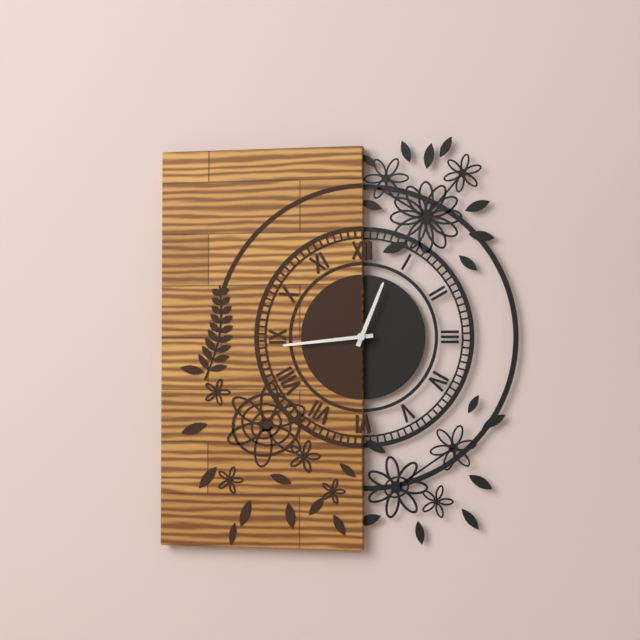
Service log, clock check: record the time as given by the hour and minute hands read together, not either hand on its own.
12:44
